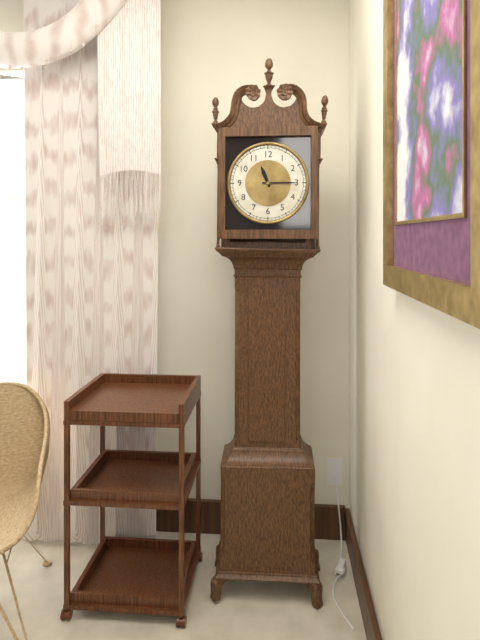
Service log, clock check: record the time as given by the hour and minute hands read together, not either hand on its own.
11:15
